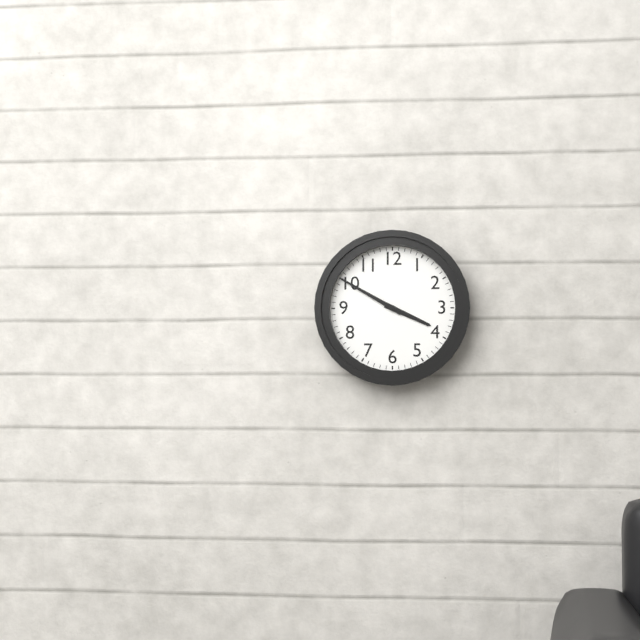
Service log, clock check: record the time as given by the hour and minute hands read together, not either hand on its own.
3:50
